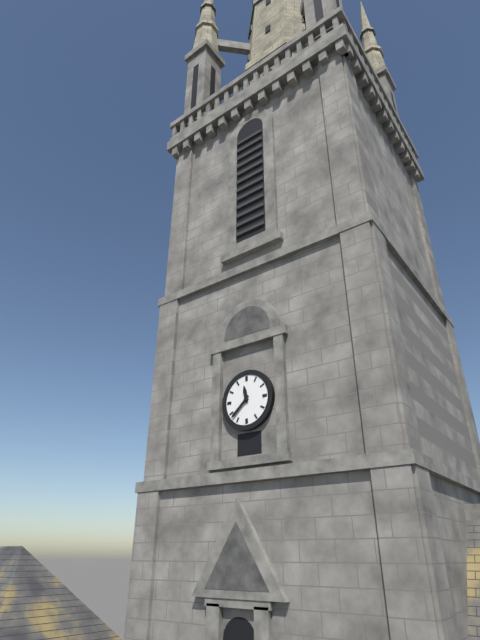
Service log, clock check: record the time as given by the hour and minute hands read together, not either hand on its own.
11:38
